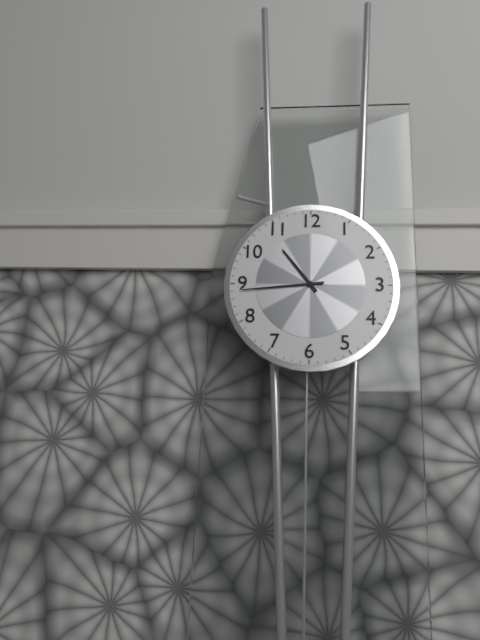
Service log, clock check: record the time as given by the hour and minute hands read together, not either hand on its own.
10:44
